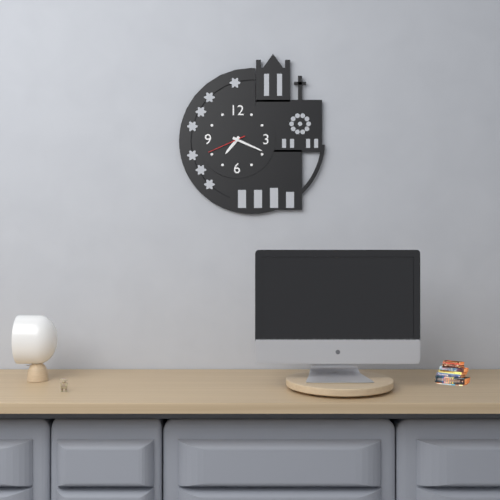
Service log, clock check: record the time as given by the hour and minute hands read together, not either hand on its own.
7:19
